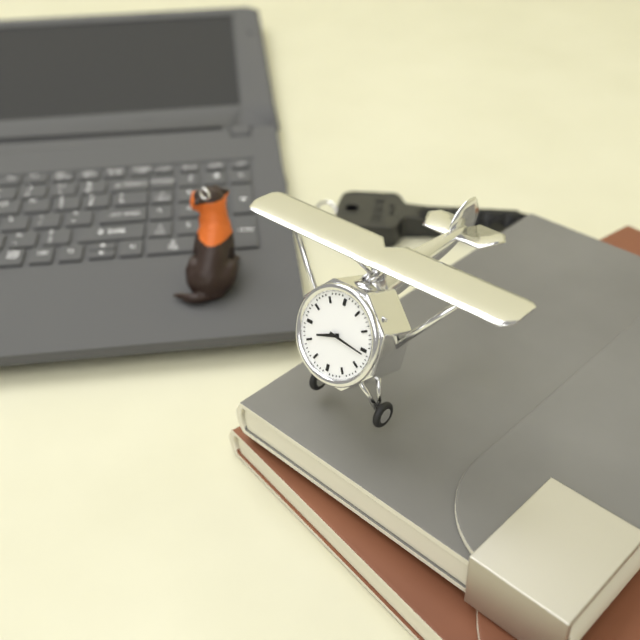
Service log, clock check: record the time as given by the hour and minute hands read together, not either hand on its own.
8:16
